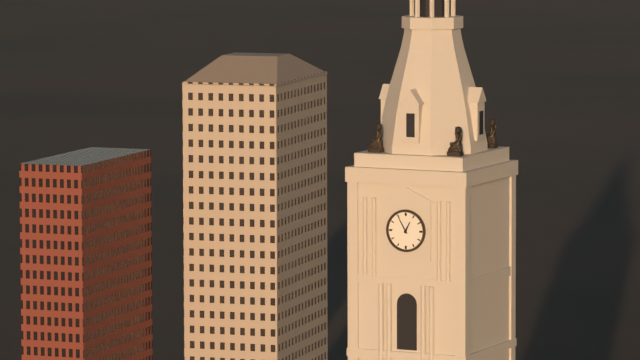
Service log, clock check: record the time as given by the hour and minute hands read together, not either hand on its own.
12:55
